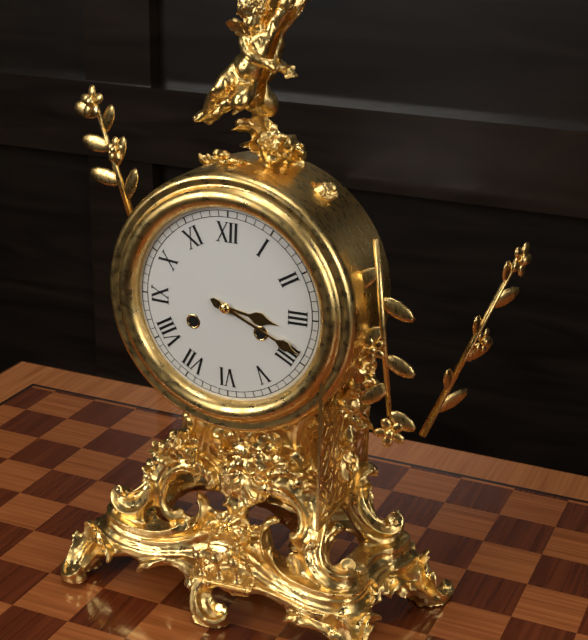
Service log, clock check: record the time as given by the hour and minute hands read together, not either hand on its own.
3:19
